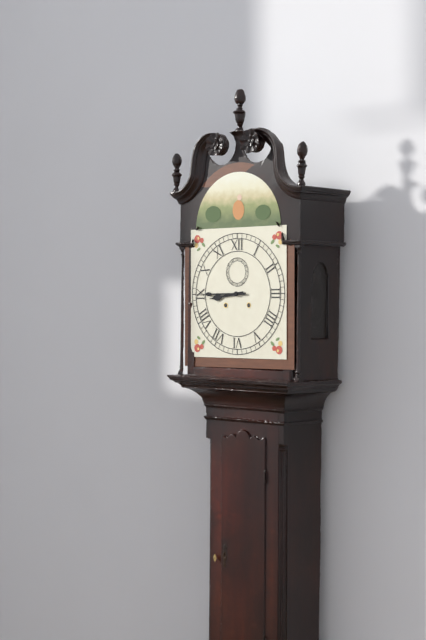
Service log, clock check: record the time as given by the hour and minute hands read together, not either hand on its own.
8:45
